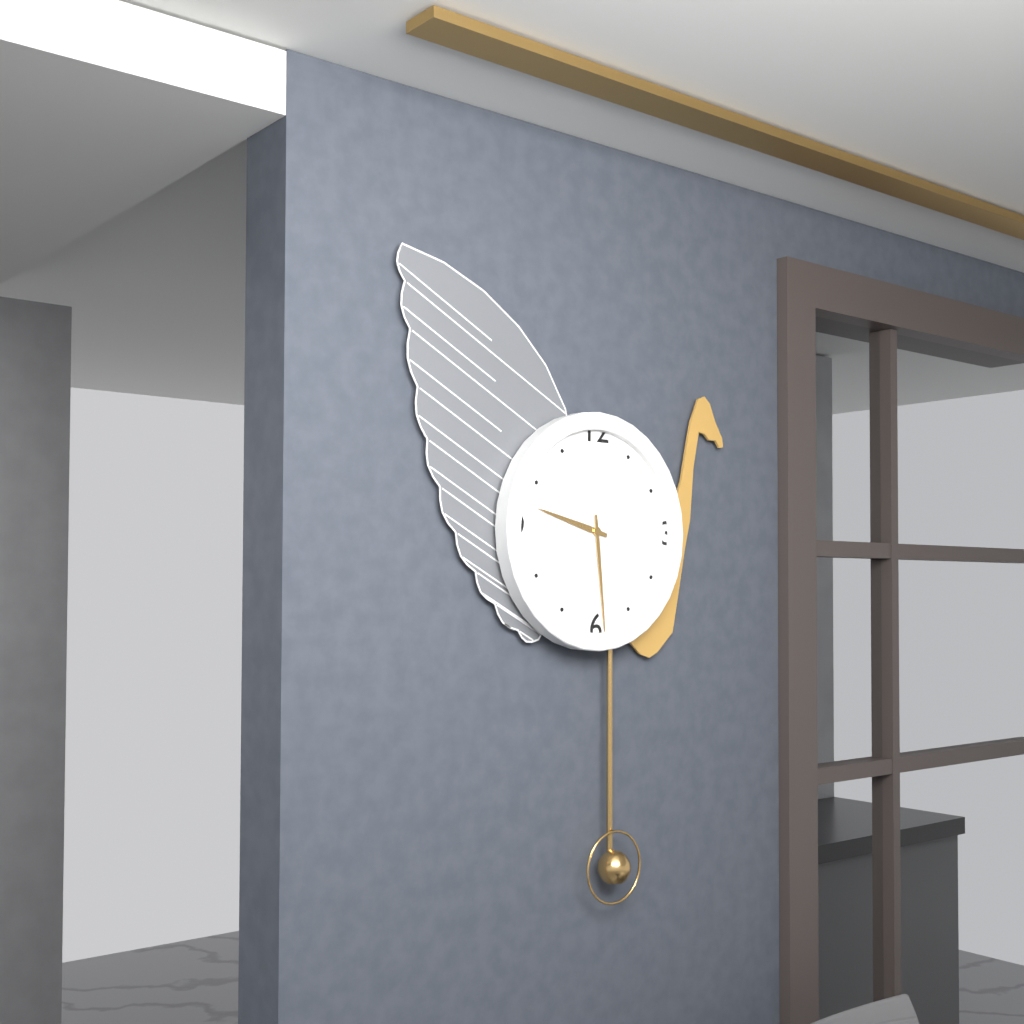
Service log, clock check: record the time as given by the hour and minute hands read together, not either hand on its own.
9:29
